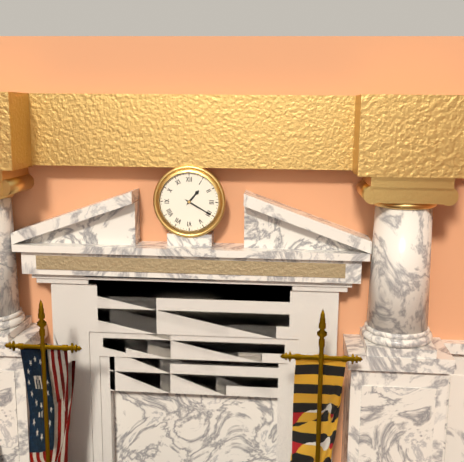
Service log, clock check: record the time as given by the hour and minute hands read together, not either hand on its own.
1:20
